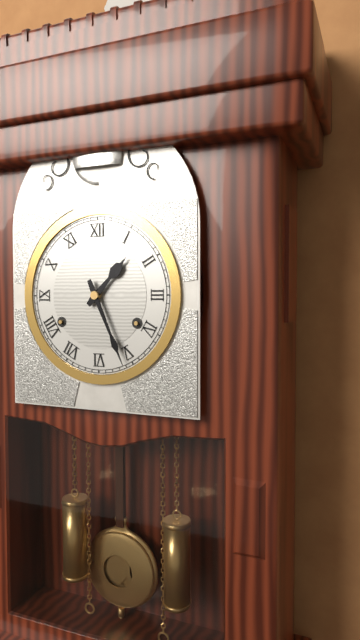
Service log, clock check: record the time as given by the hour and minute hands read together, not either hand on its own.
1:26
